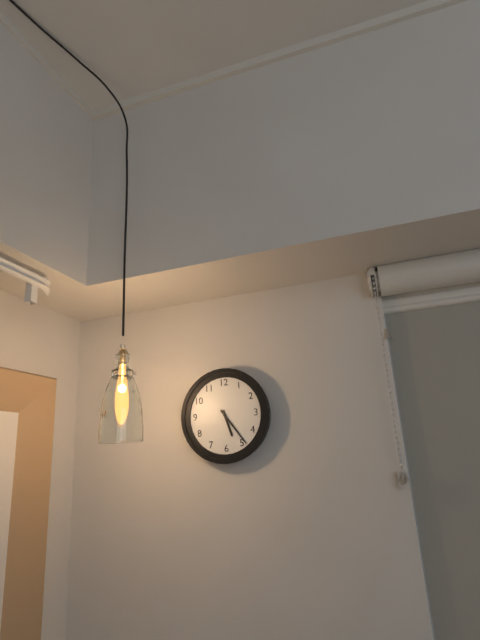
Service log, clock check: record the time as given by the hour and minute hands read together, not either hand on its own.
5:24
